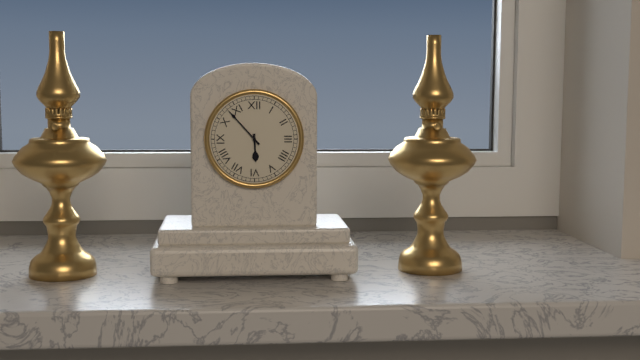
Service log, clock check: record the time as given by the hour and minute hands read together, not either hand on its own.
5:53
